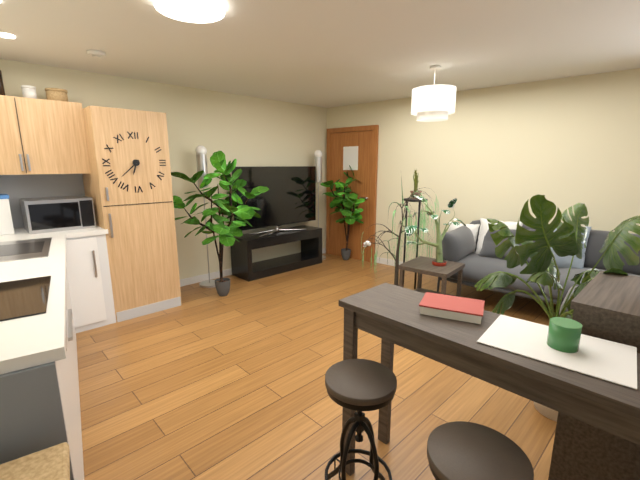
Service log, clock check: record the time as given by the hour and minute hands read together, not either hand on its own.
6:38
